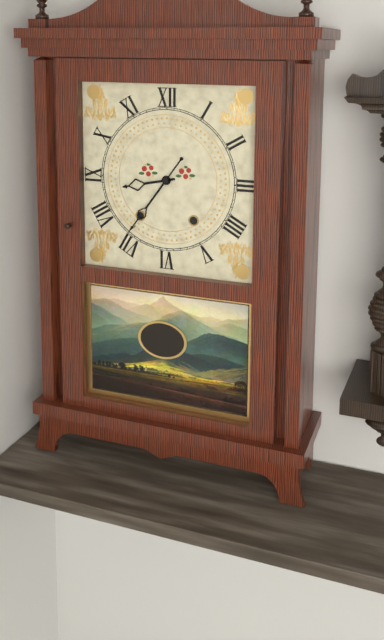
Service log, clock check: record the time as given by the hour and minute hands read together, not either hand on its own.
8:36
